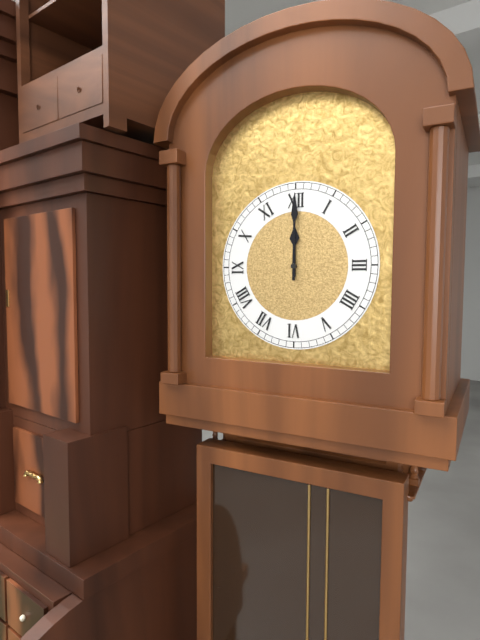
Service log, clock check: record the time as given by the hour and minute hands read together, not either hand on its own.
12:00
